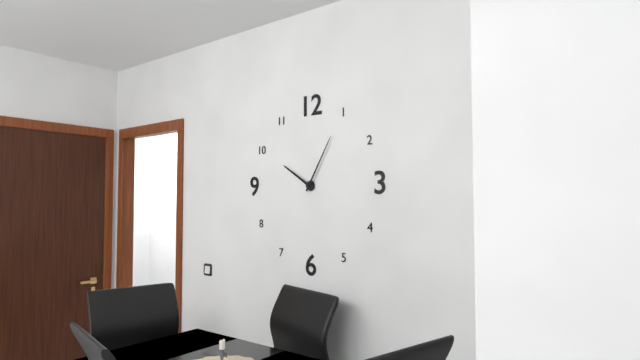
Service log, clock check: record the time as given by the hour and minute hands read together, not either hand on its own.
10:05
